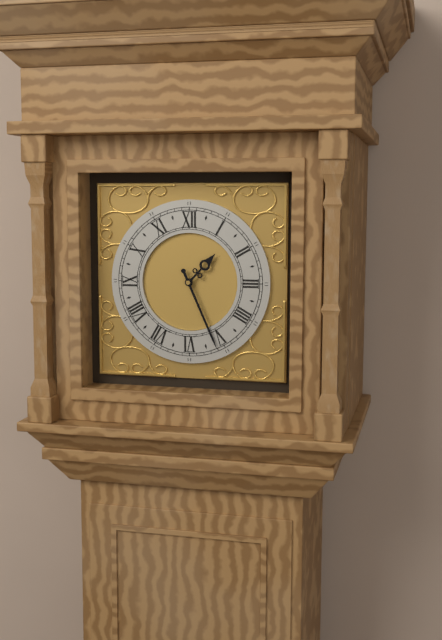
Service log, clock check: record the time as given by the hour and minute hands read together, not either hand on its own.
1:26
